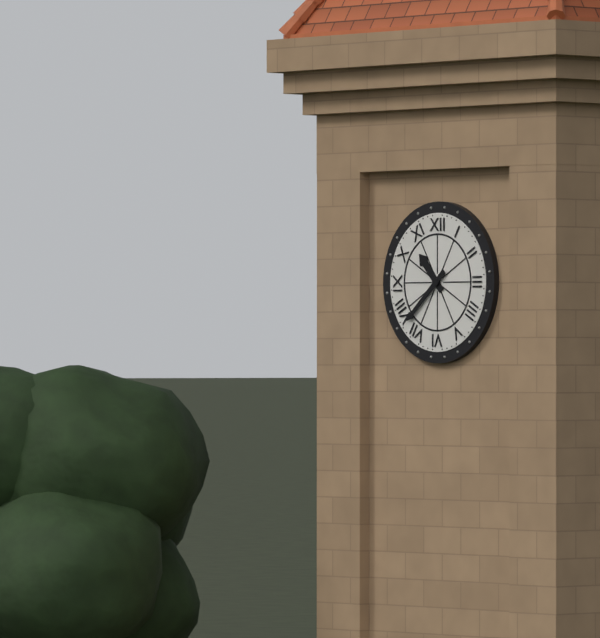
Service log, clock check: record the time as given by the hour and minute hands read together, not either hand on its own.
10:38
